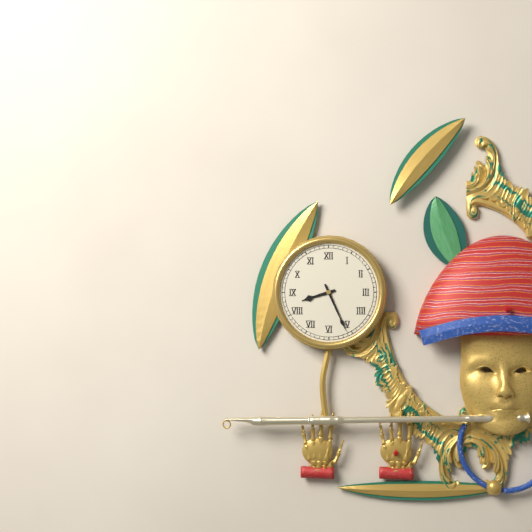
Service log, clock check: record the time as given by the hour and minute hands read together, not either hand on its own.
8:26
